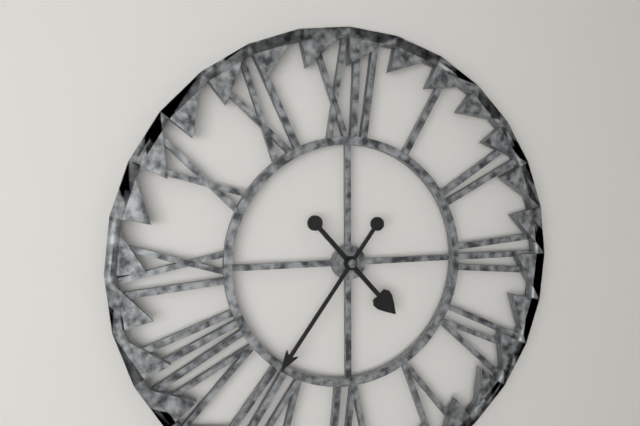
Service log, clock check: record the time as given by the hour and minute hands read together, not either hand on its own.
4:36
